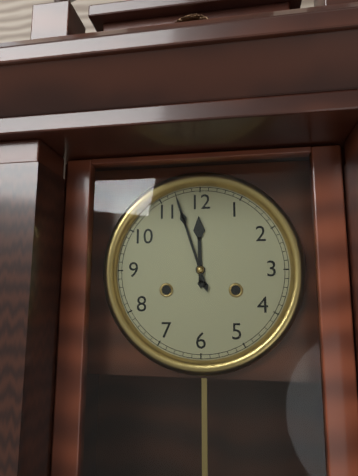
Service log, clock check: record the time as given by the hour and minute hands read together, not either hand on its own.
11:57
